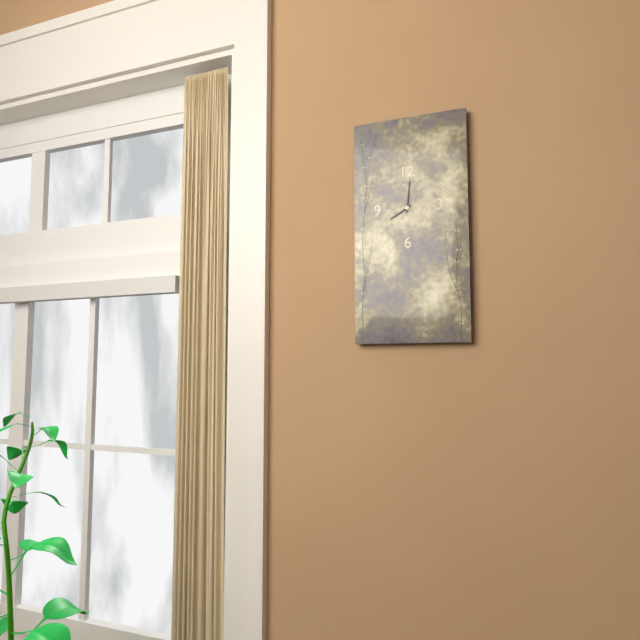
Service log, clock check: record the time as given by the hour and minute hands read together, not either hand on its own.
8:01
